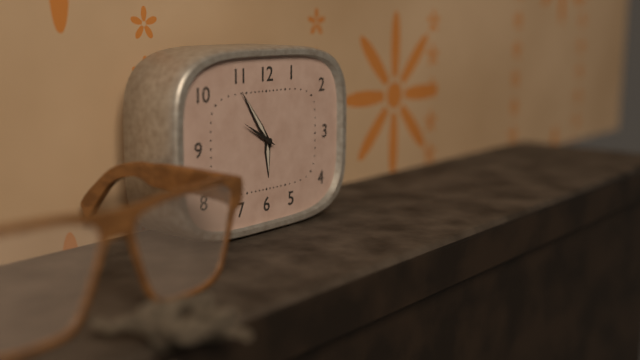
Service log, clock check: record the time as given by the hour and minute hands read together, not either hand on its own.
5:54
